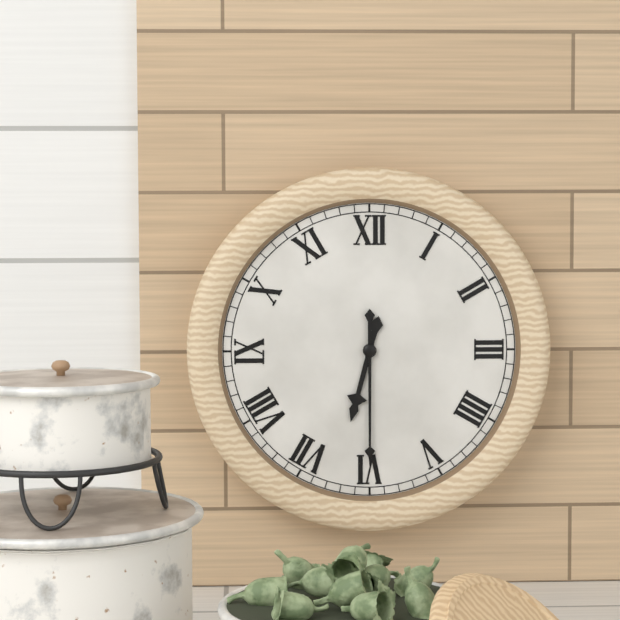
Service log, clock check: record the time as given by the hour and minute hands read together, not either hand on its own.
6:30
